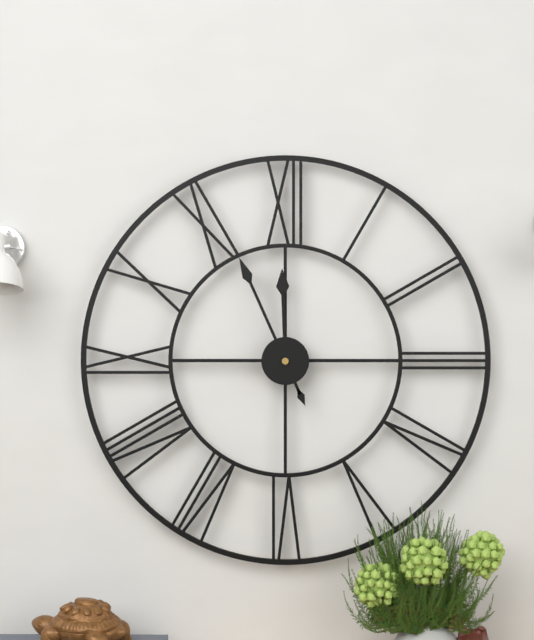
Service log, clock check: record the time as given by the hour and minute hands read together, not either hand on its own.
11:56
